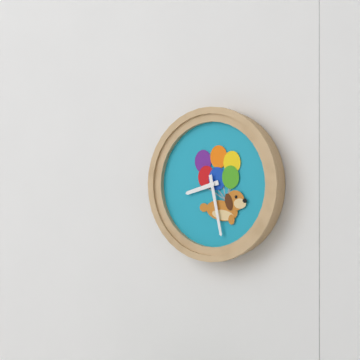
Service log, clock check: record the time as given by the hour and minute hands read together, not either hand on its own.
8:28
